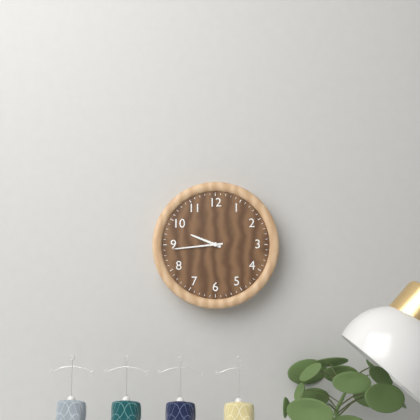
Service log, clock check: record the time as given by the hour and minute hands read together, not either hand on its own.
9:44
